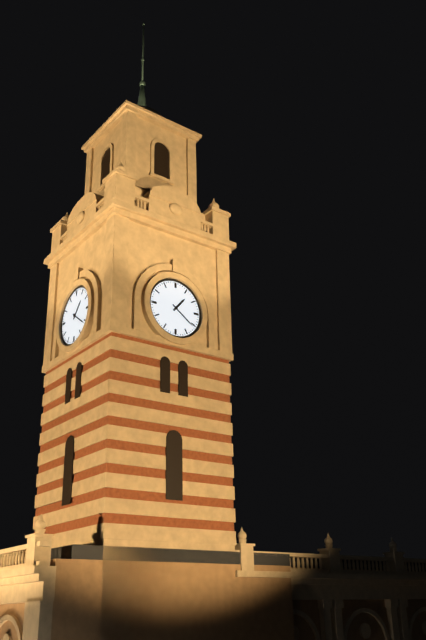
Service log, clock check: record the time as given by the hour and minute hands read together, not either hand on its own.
1:21
